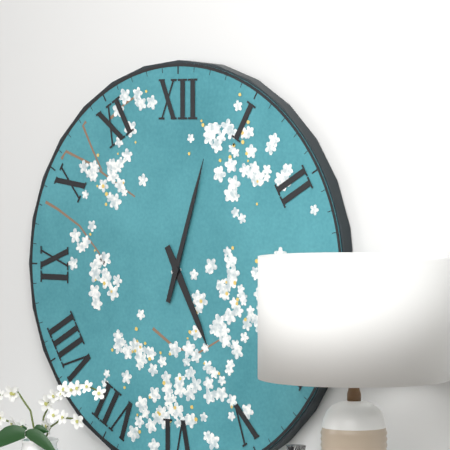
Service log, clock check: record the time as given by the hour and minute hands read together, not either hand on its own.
5:03
